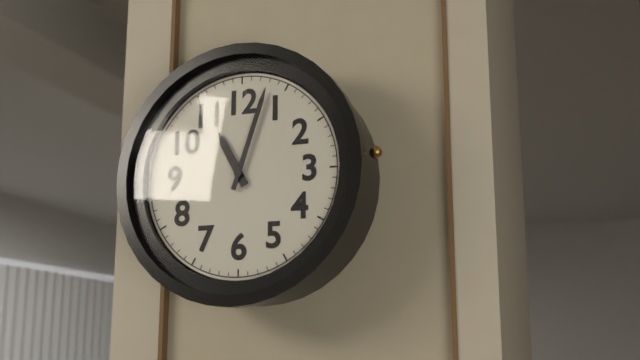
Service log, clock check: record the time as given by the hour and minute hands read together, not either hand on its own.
11:03
